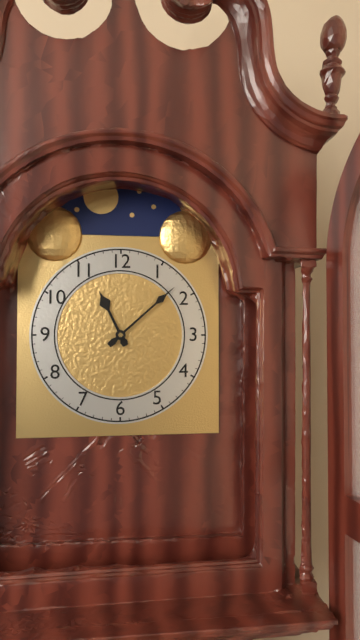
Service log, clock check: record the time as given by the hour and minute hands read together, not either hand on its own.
11:08
